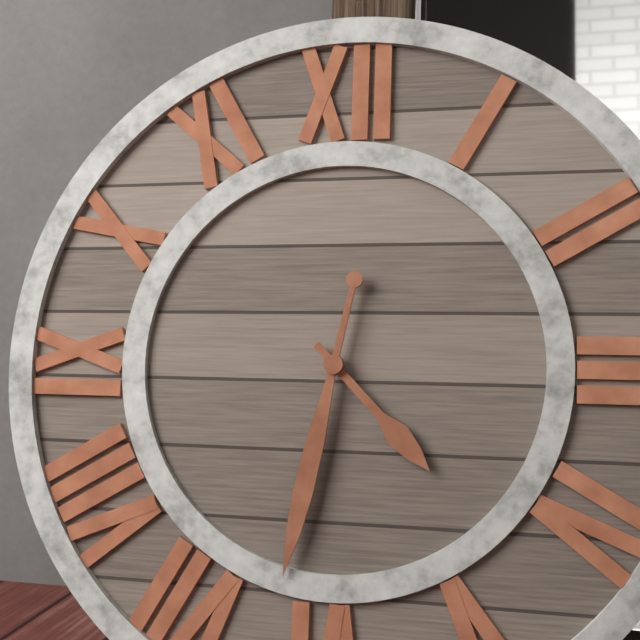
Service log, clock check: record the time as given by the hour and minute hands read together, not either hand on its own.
4:32
